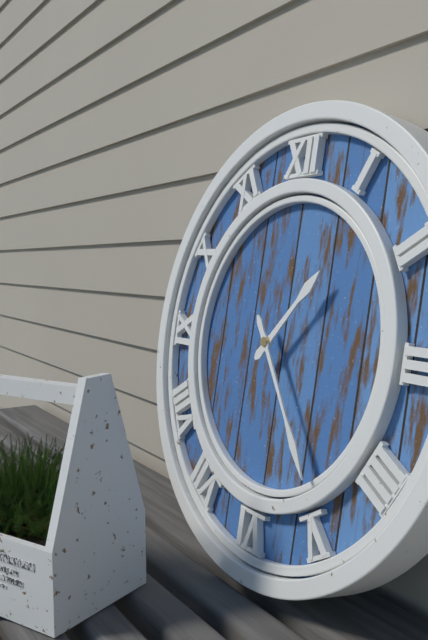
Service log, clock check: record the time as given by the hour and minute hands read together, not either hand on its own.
1:24
